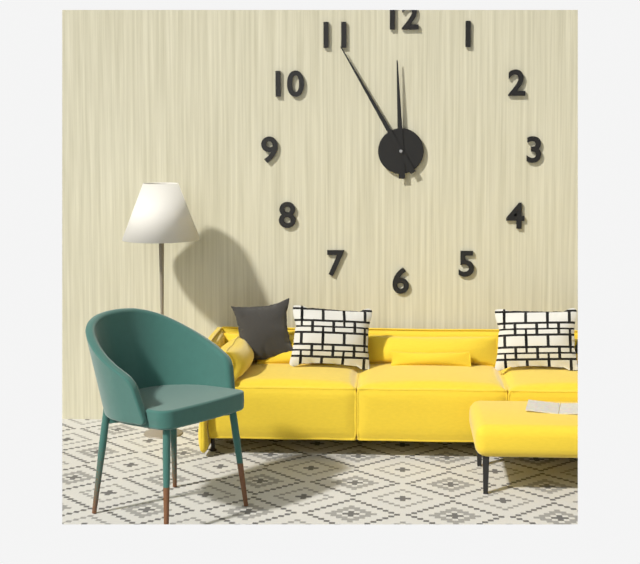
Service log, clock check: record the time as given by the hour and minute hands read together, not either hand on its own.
11:55
